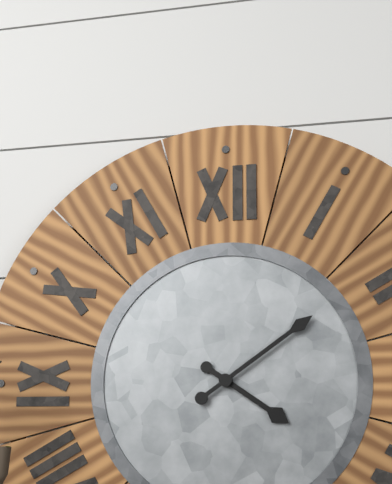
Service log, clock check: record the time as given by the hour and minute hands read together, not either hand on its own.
4:09
